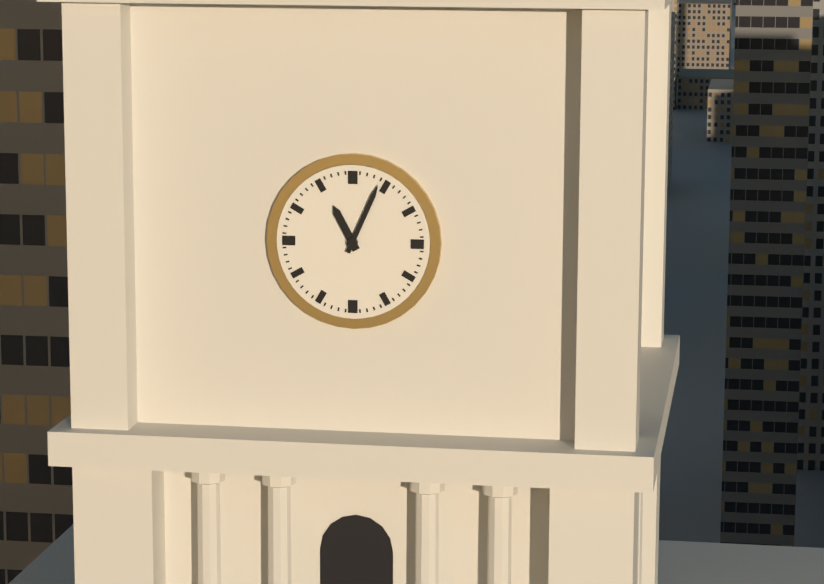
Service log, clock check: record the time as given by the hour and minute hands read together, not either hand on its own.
11:04
